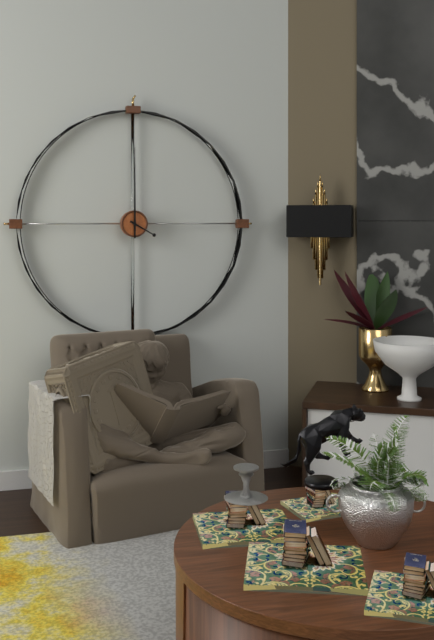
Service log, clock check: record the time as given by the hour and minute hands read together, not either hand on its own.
4:00
